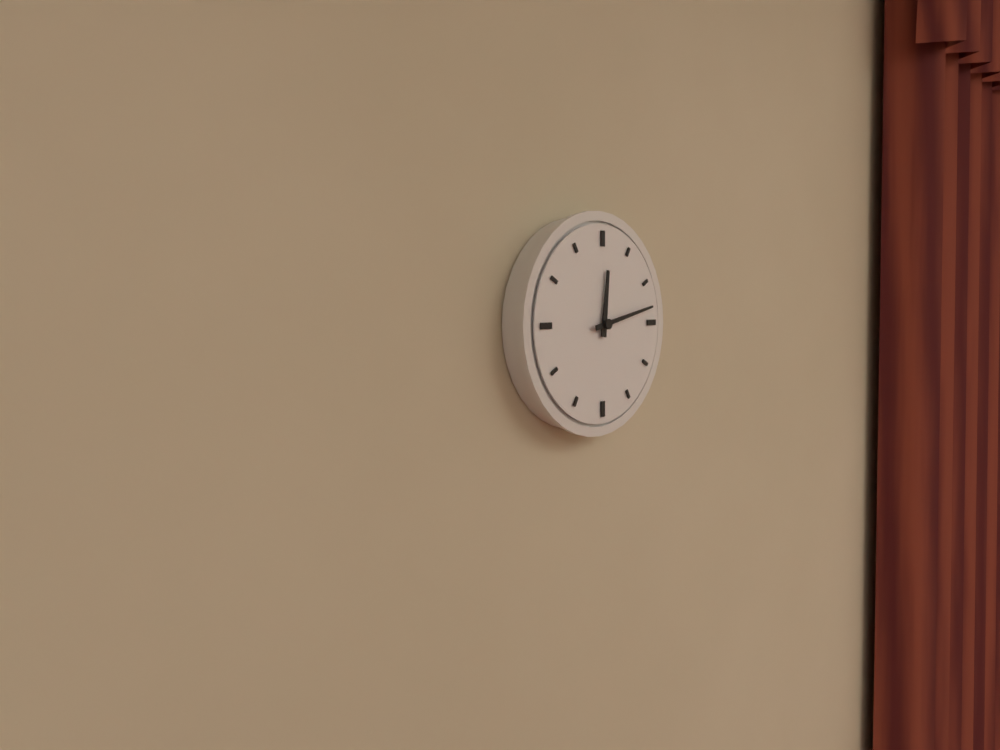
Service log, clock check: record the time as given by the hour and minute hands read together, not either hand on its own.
12:13
